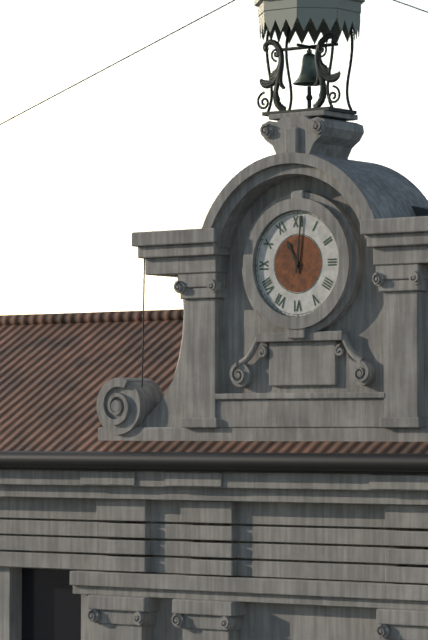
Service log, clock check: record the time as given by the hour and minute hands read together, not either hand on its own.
11:01
